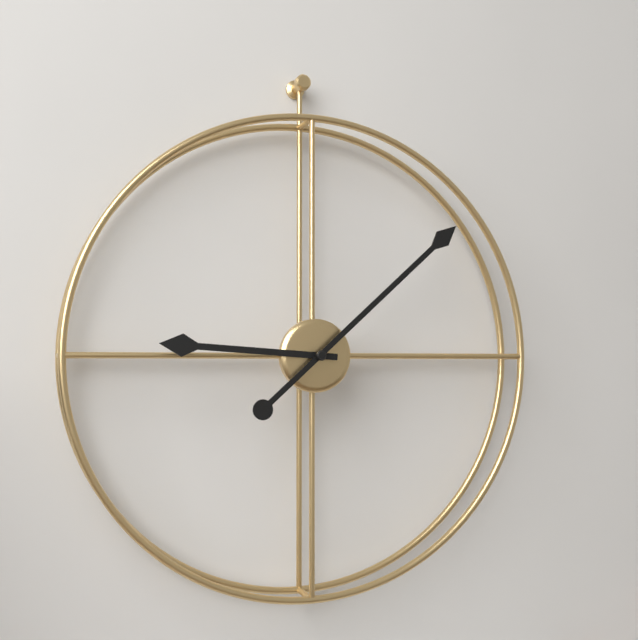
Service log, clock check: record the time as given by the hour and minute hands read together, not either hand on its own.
9:08
